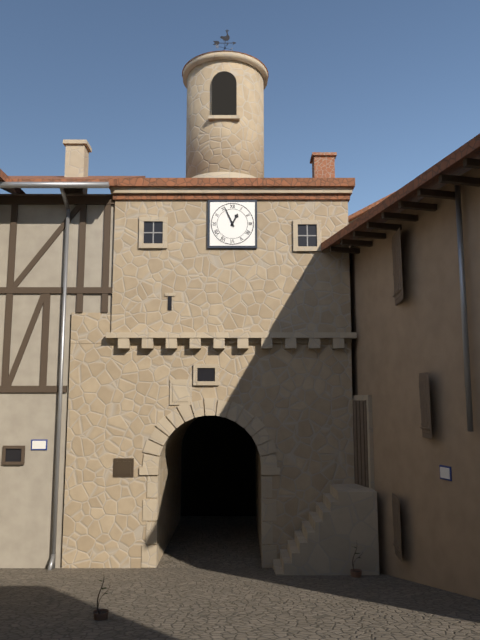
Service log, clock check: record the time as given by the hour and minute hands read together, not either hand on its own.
12:56
